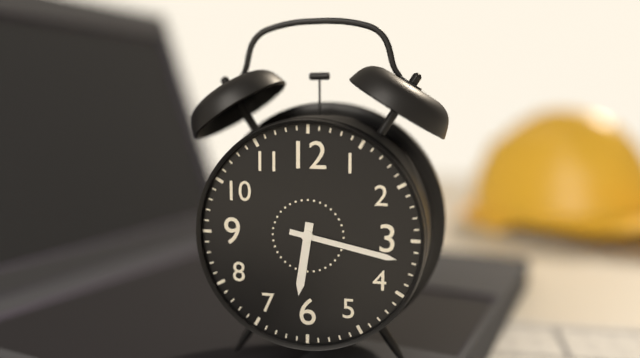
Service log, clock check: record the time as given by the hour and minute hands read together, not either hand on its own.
6:17
